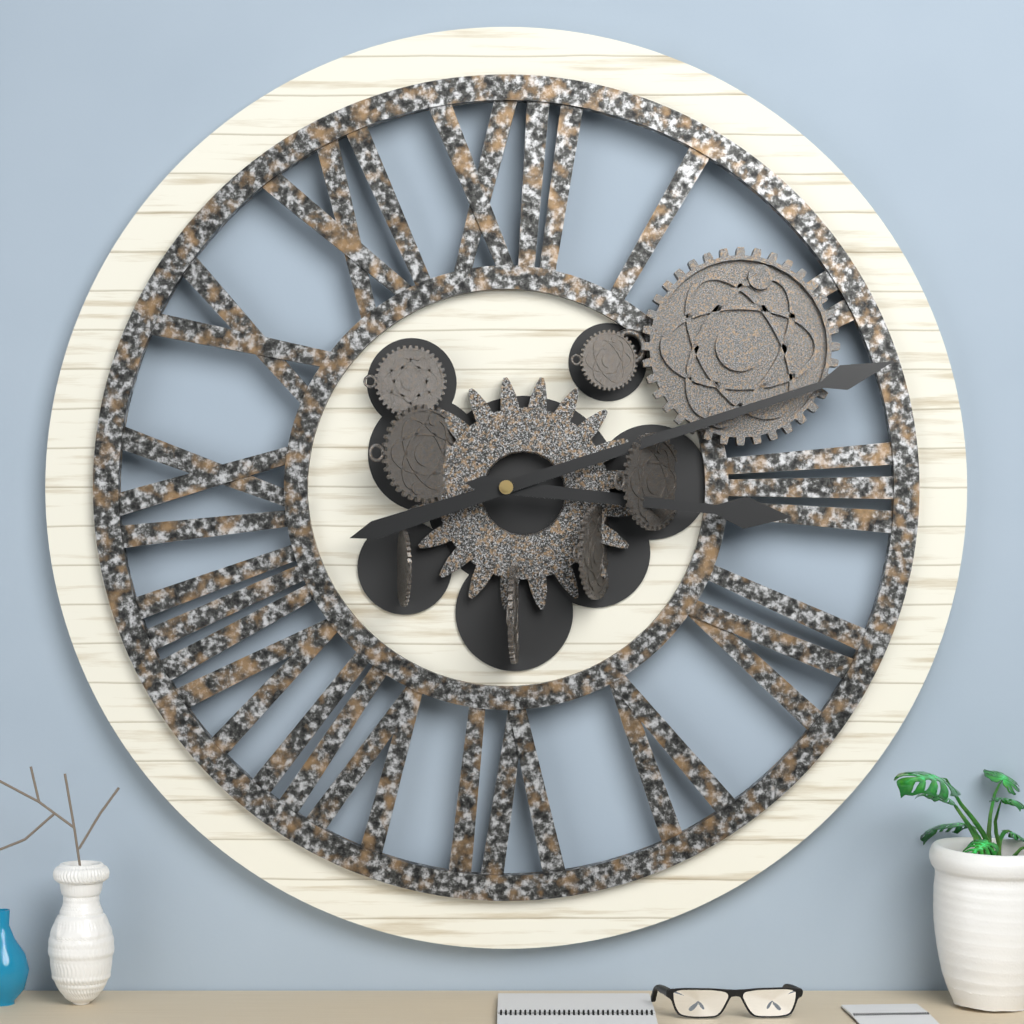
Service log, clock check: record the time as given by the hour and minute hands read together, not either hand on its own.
3:12
